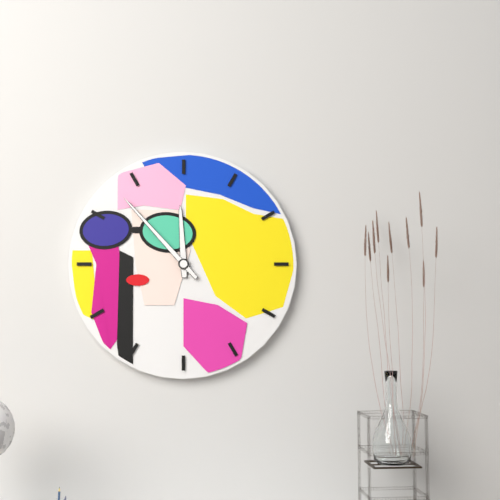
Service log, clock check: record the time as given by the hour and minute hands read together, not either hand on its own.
11:53
